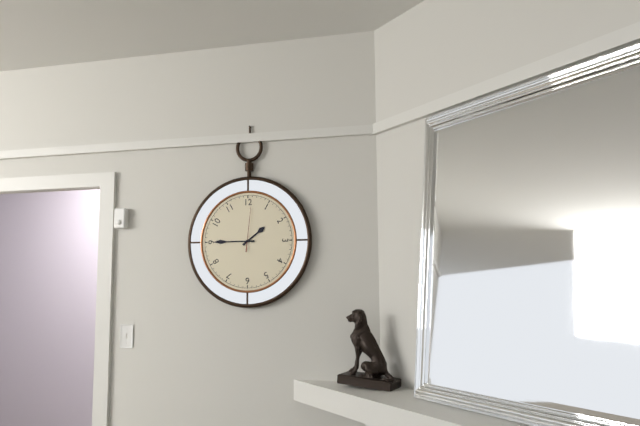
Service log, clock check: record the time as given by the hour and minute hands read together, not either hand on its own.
1:45
